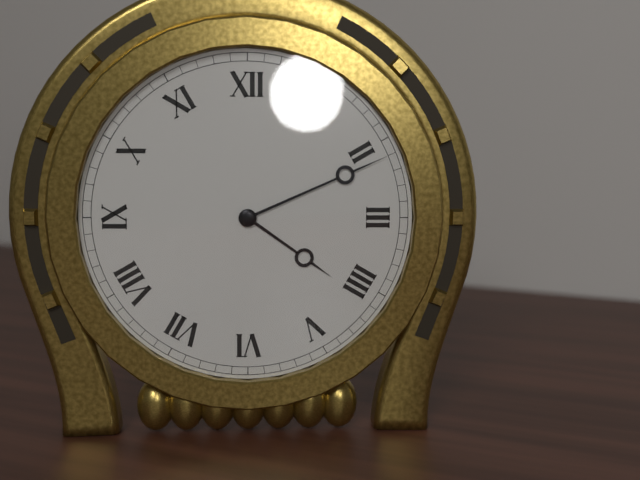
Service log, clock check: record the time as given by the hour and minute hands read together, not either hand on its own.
4:11
